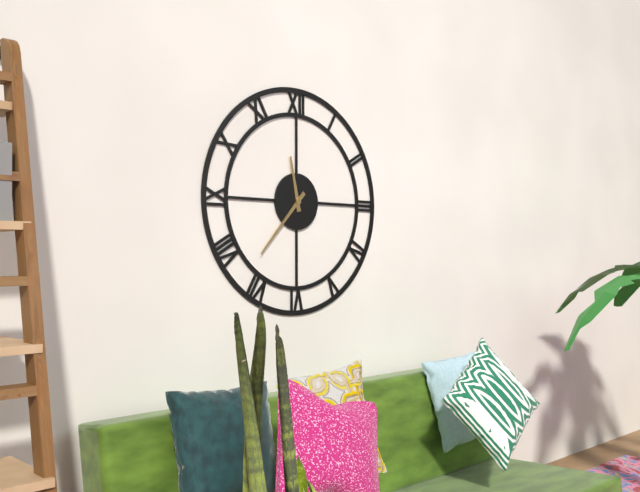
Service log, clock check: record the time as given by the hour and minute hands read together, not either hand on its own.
11:37
